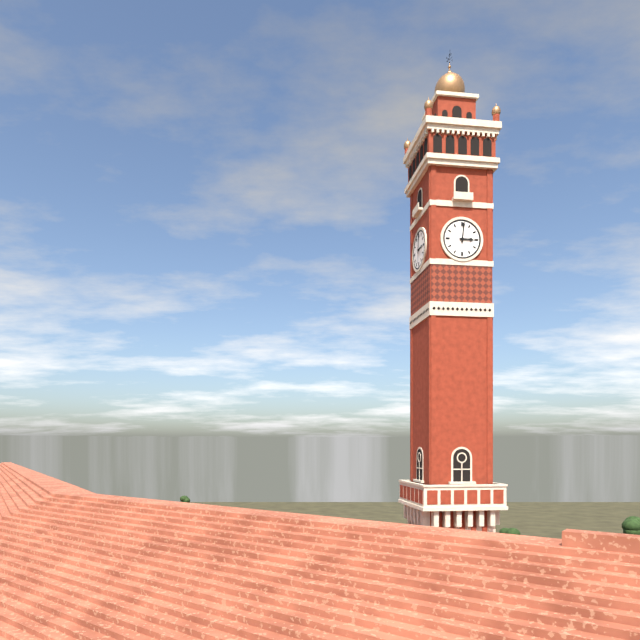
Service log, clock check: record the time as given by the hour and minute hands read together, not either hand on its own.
3:01
